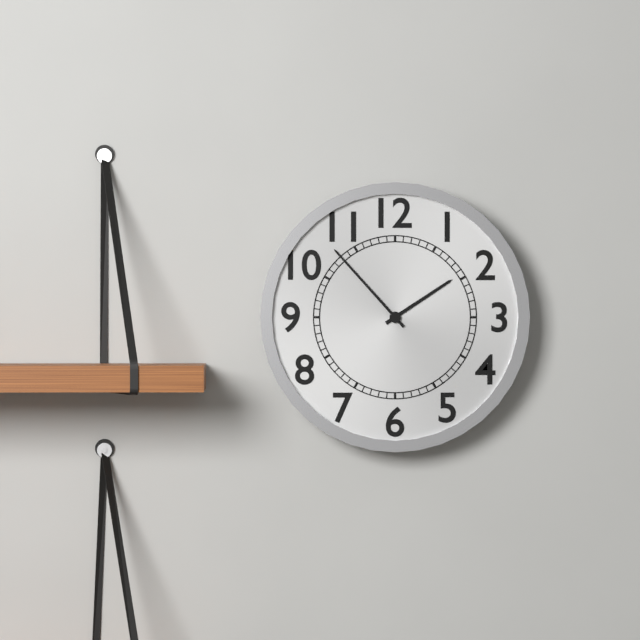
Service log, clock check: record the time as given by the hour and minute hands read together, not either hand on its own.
1:53
